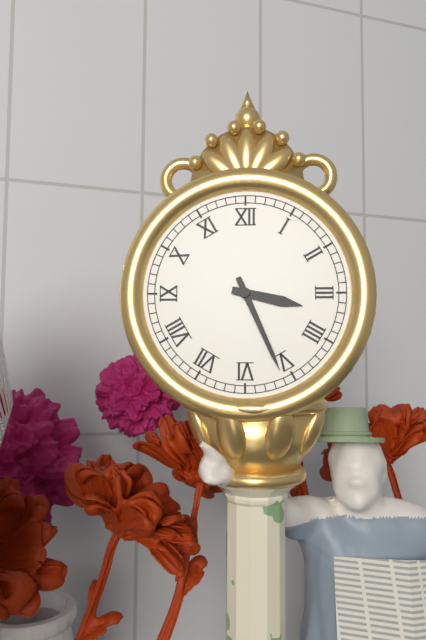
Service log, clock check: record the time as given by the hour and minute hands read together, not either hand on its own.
3:26
